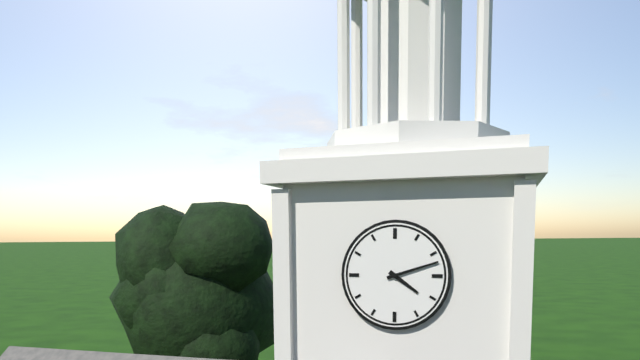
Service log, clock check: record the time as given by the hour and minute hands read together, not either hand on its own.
4:12
